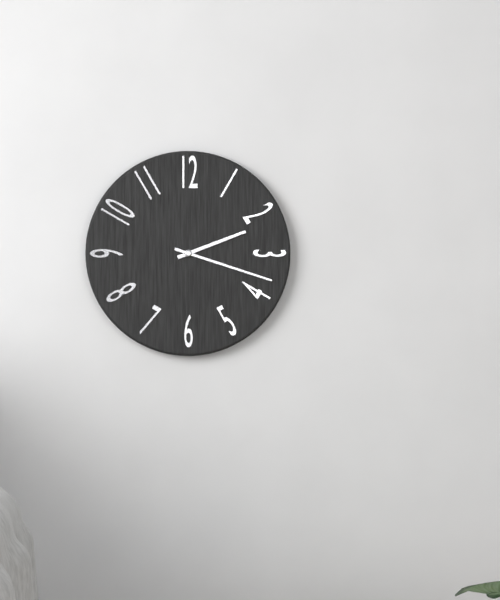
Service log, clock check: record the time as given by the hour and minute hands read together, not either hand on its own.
2:18
